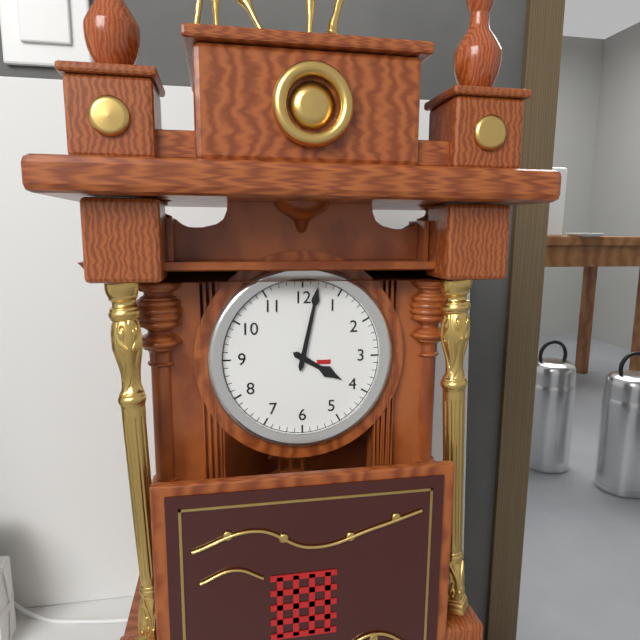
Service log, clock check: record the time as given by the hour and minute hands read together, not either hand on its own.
4:02
